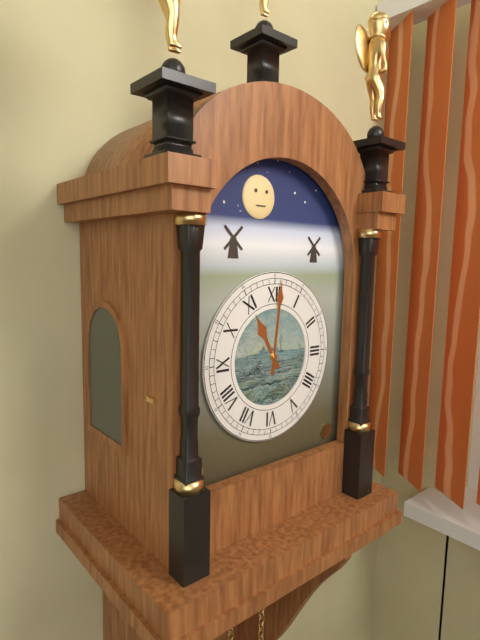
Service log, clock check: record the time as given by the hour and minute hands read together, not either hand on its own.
11:01
